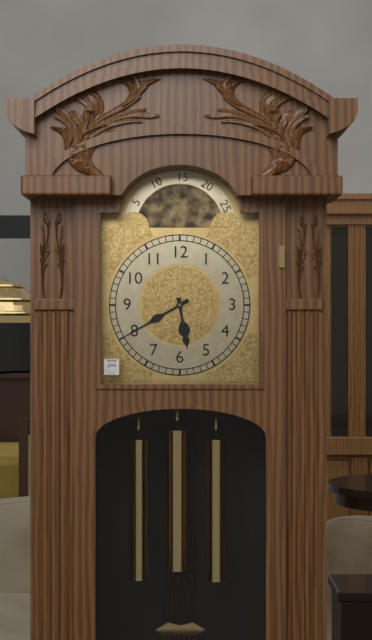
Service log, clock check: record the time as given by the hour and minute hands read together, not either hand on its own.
5:40
